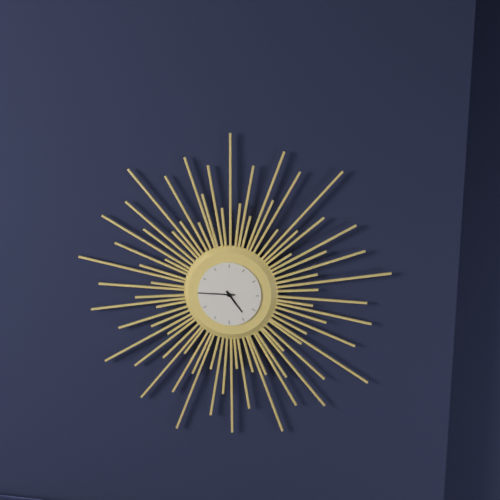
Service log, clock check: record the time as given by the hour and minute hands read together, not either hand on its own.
4:45
